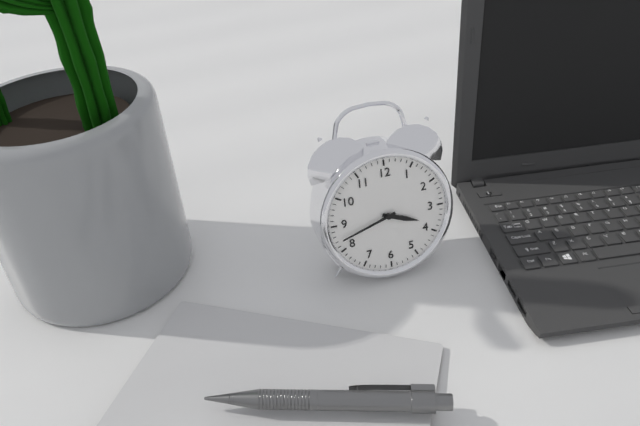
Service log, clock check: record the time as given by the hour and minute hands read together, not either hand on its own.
3:42
